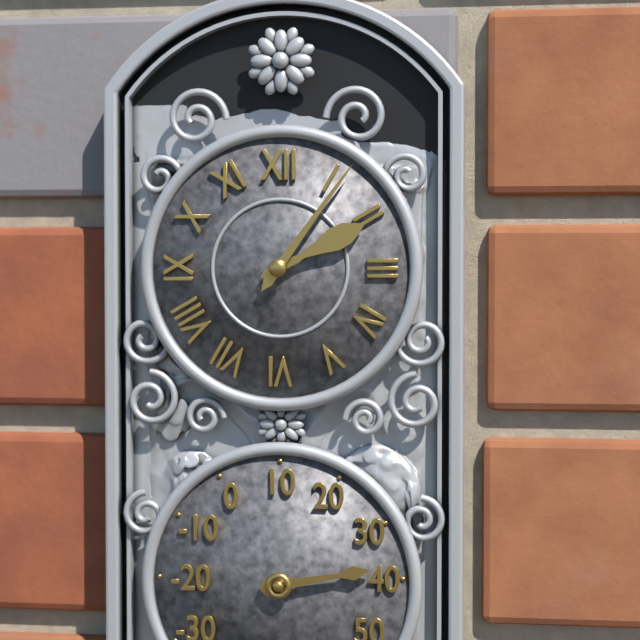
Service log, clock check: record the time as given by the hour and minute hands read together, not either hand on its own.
2:06
